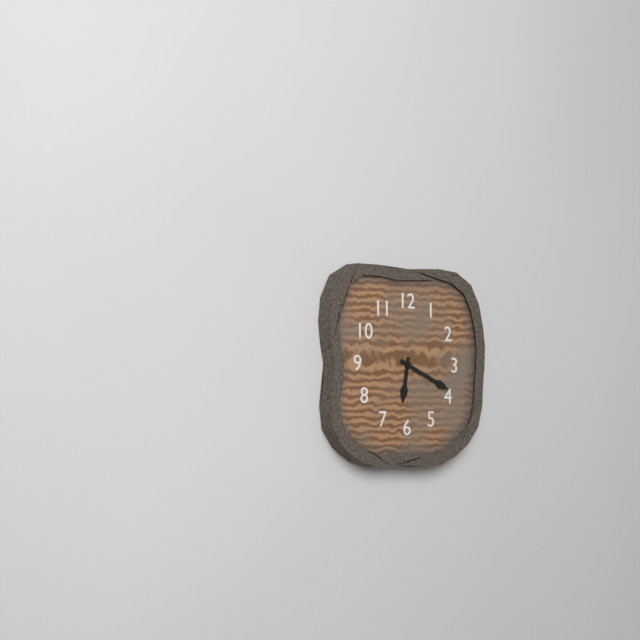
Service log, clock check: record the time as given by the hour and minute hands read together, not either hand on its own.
6:19
